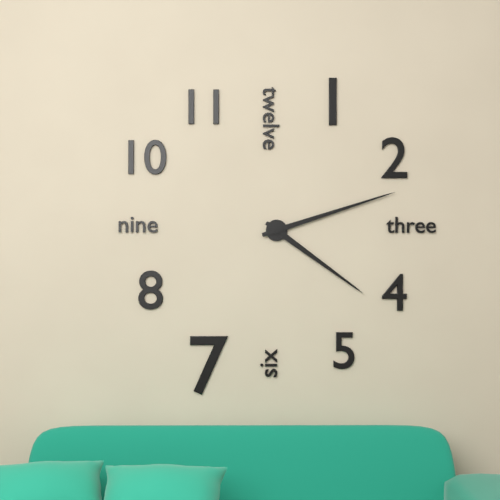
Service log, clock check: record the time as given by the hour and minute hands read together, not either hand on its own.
4:12
